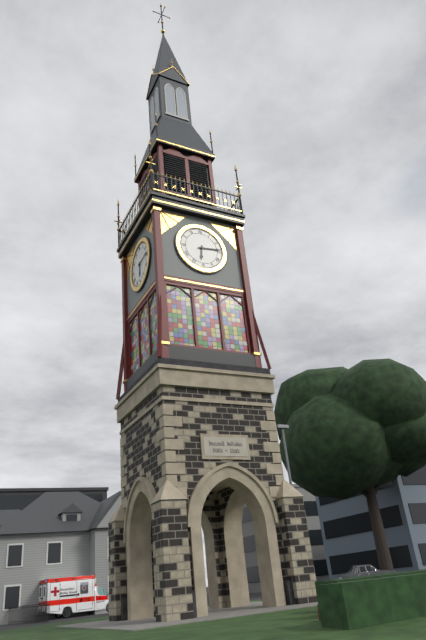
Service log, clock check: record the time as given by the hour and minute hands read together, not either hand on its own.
6:14
